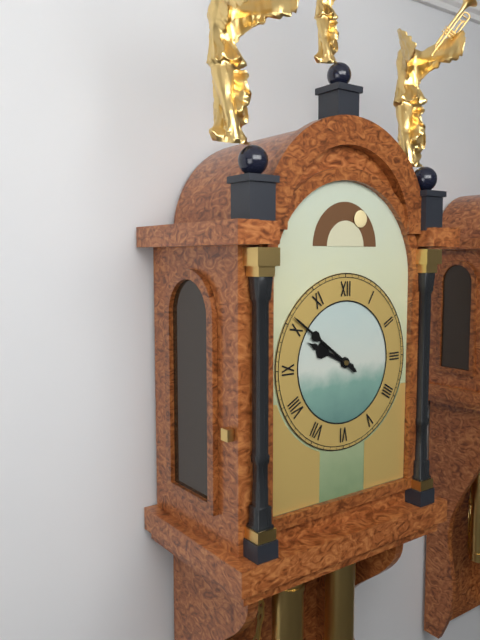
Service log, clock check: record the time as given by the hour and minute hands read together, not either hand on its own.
9:51
